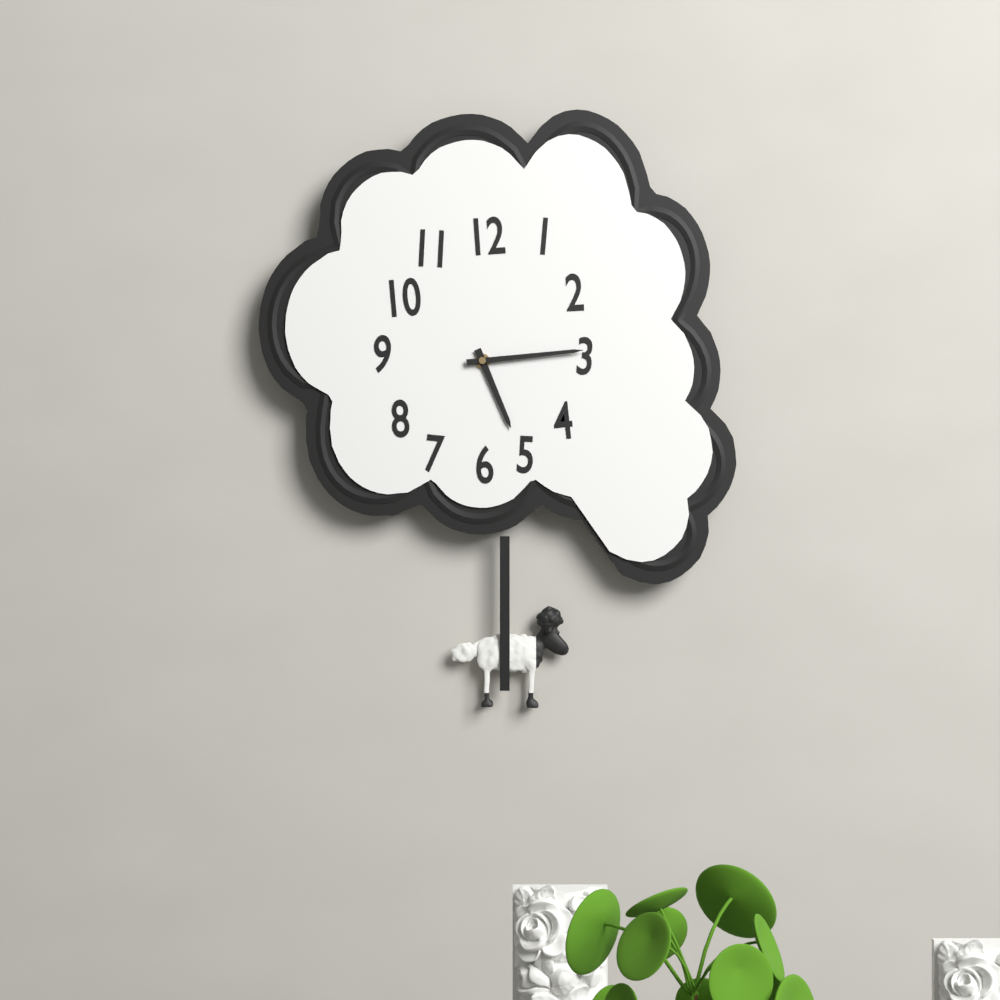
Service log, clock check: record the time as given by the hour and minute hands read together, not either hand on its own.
5:14
